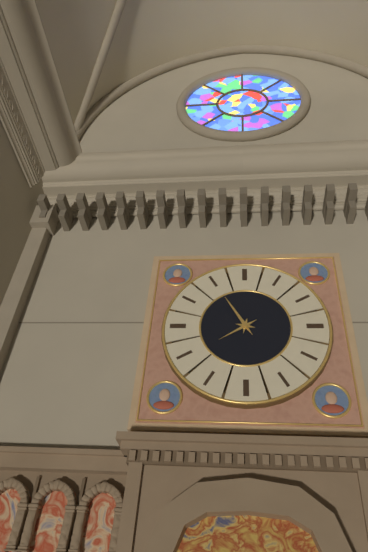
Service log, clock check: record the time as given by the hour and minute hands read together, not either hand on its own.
7:55
